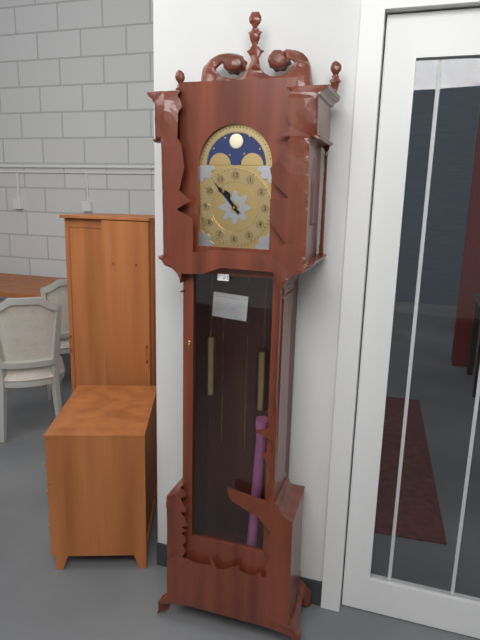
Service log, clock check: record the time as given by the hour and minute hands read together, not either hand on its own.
10:53
